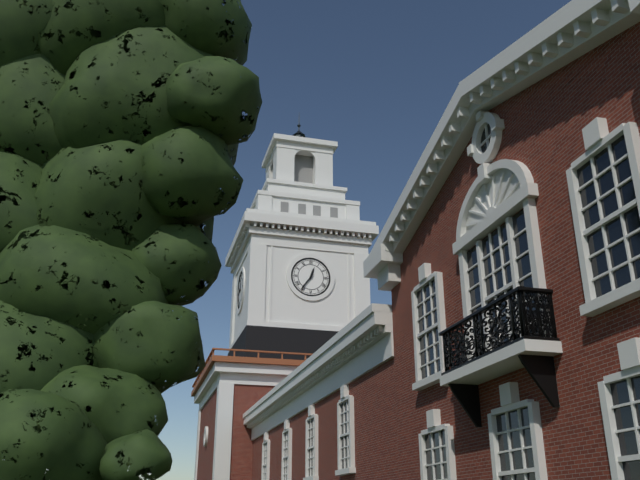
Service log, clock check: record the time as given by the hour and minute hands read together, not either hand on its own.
12:36
